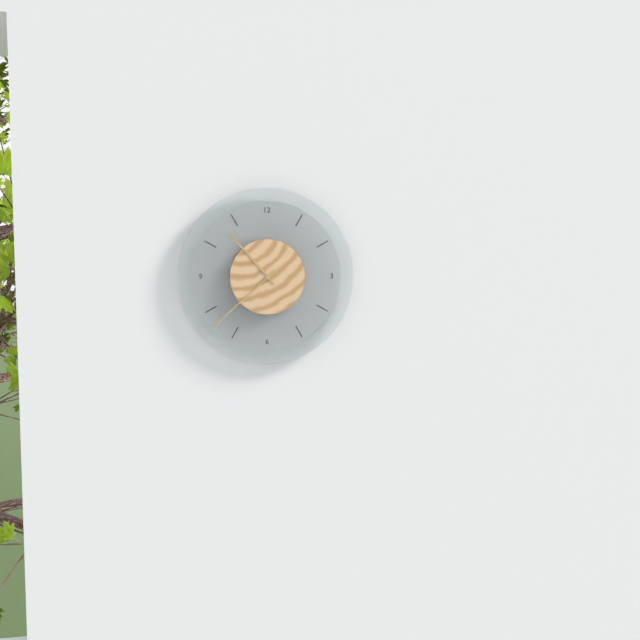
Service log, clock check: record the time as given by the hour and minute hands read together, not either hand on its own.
10:38
